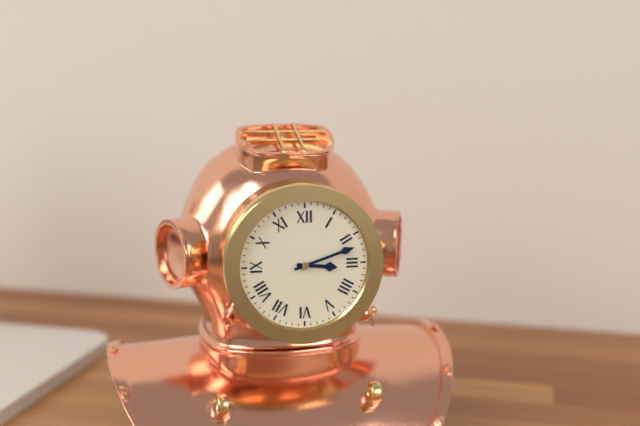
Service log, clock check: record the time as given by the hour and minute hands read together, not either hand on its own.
3:12
